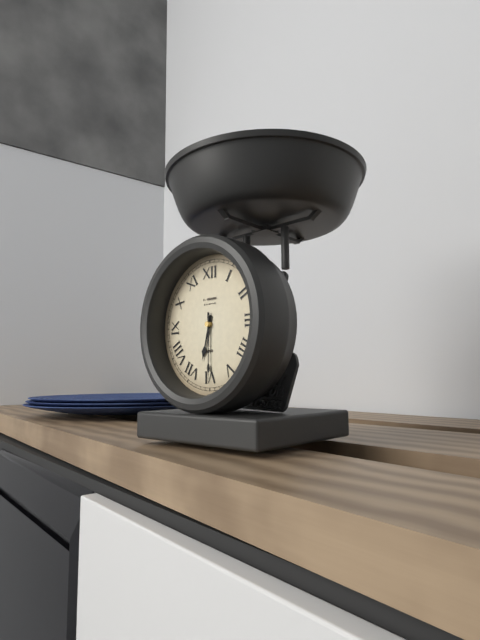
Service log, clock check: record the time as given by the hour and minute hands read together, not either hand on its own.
6:30
